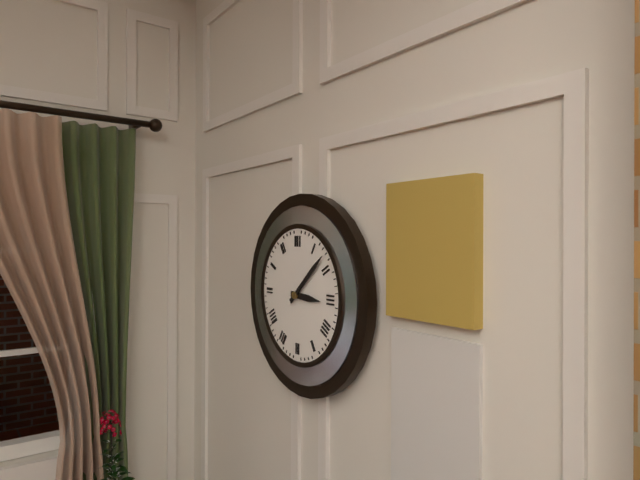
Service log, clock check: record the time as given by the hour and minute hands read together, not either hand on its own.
3:08
